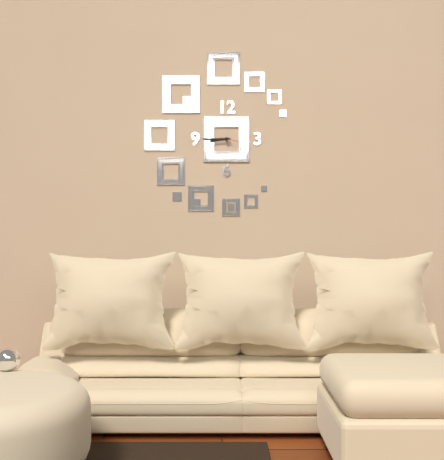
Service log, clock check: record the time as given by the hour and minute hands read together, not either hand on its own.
8:45
